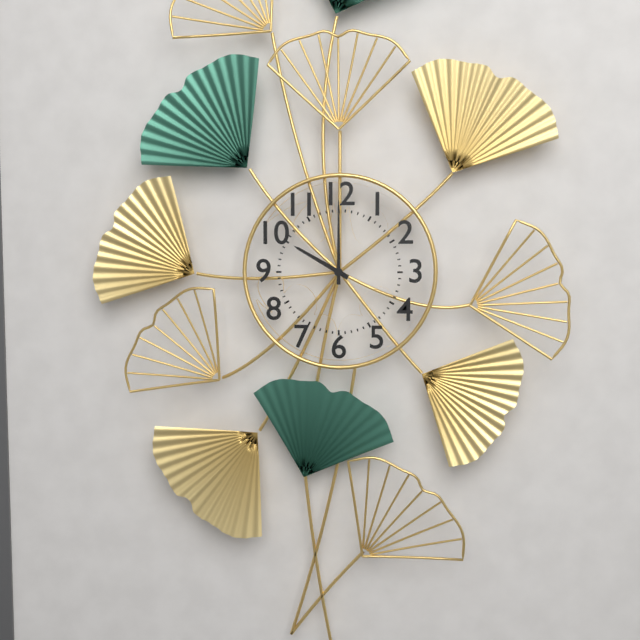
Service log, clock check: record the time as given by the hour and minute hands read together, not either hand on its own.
10:00
